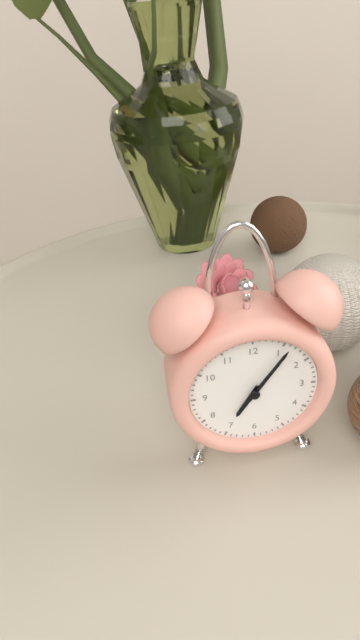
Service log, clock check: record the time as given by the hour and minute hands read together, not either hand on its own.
7:06
